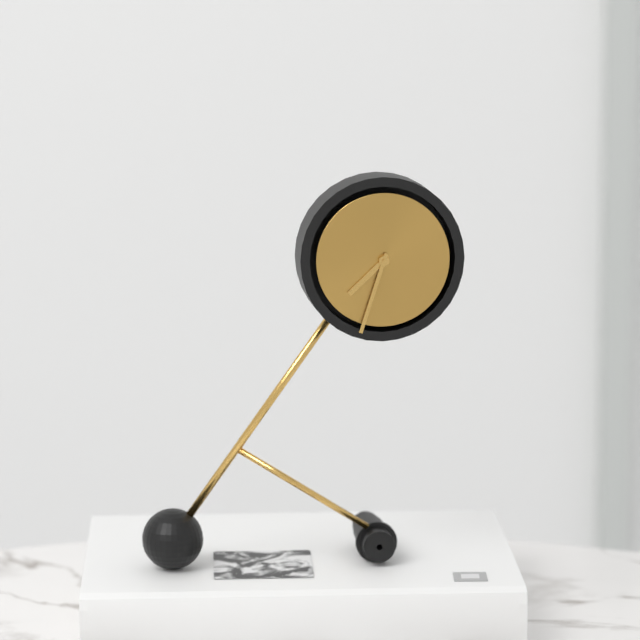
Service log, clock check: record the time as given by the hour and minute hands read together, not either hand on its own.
7:33
